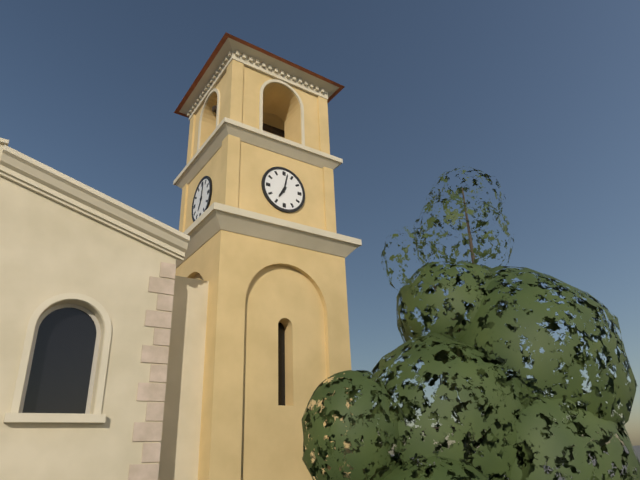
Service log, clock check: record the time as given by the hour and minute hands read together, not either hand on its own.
7:02
